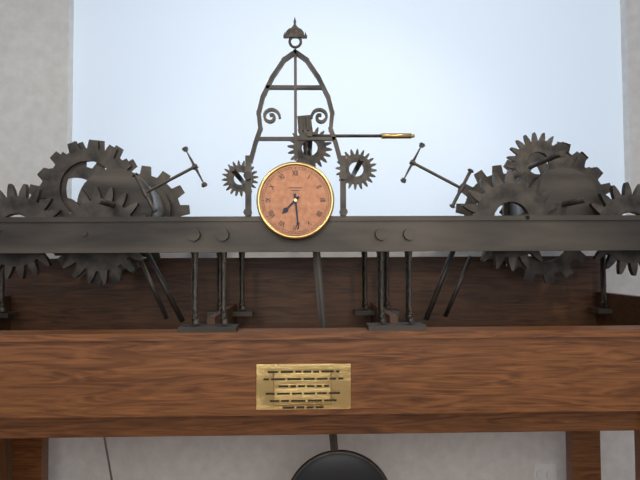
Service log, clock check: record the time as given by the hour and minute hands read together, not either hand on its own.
7:29
